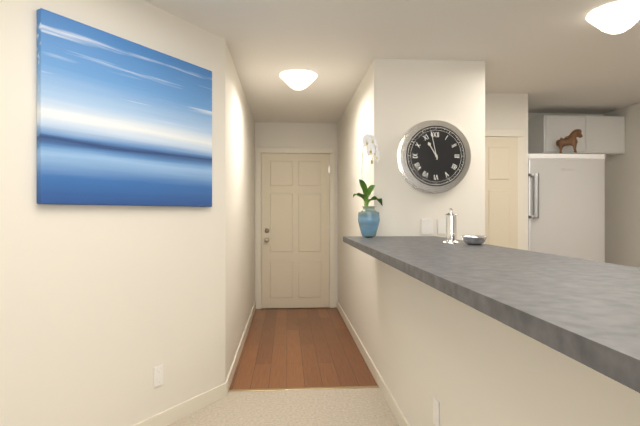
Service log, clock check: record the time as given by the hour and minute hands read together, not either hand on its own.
10:58
